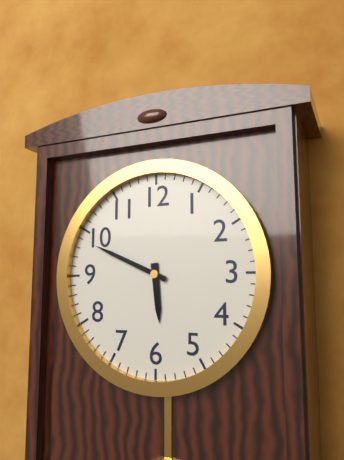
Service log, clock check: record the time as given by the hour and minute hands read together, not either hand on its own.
5:49
